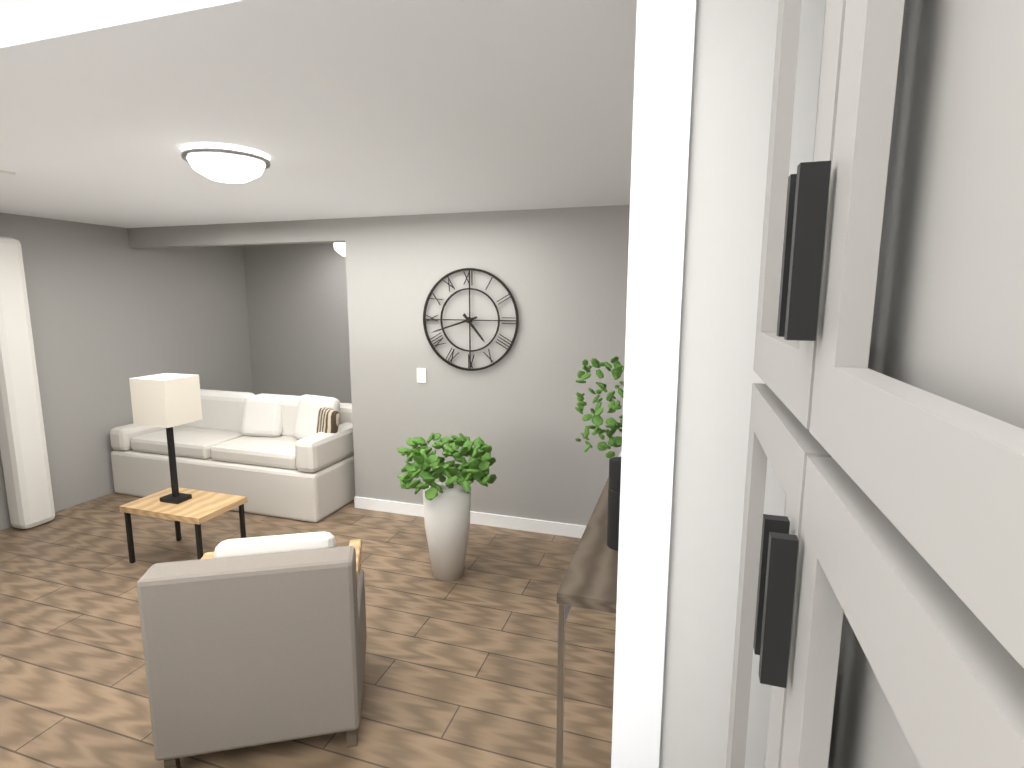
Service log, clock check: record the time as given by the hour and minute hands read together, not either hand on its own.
4:42
